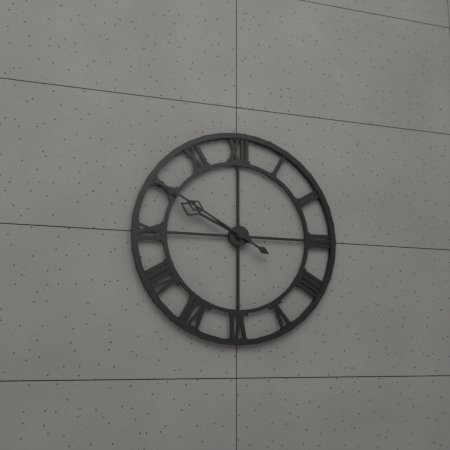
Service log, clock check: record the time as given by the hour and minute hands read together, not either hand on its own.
9:50
